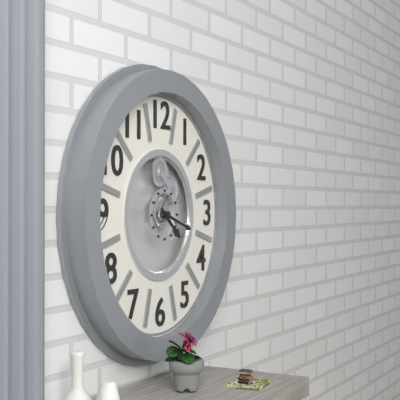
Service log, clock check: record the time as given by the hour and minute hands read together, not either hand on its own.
4:18
